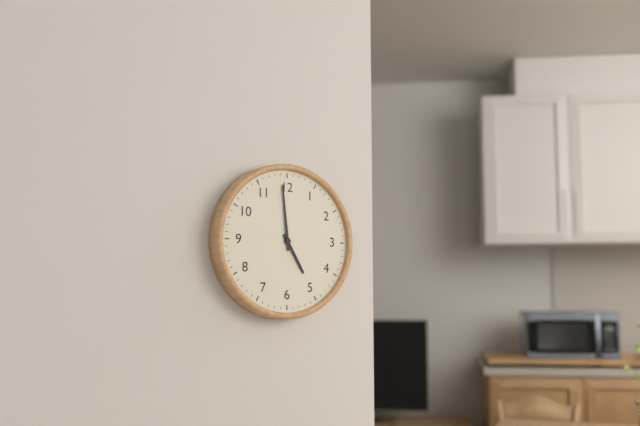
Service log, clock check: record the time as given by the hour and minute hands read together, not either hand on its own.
4:59
